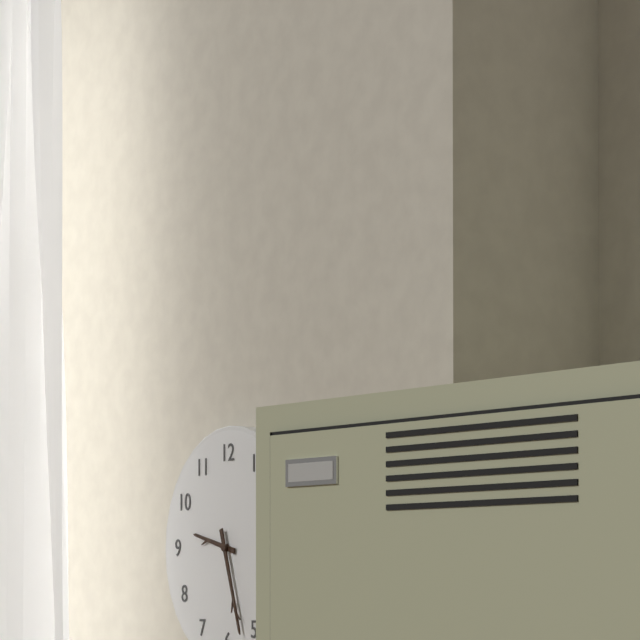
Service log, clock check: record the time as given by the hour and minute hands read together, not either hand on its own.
9:27
